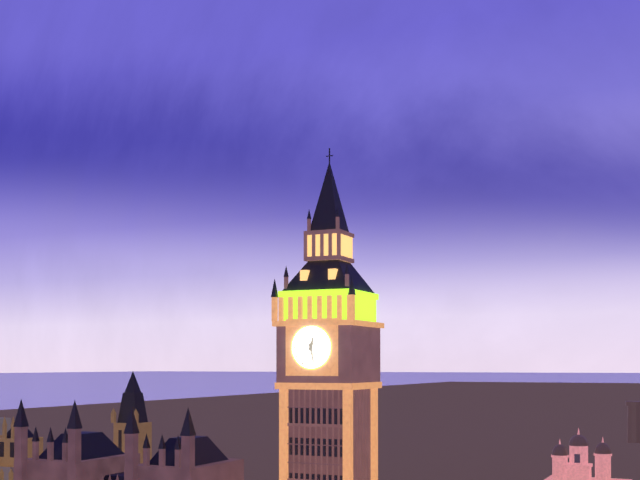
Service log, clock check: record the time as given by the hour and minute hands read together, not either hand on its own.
12:28
